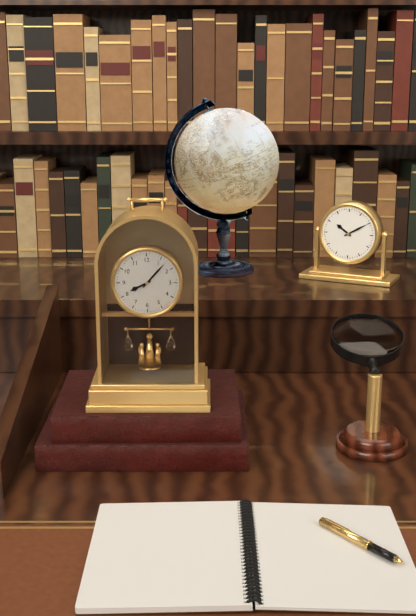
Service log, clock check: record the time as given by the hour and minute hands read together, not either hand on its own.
8:07
